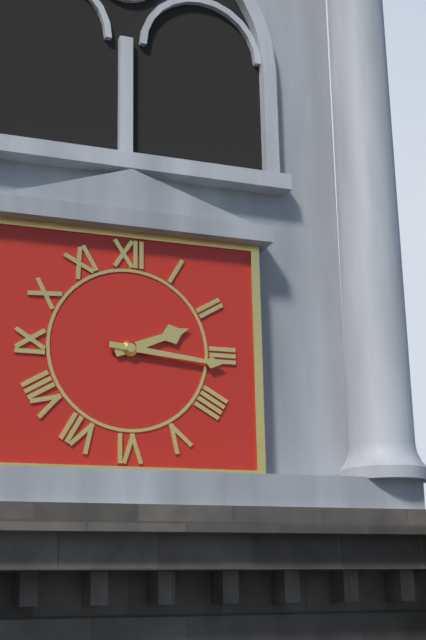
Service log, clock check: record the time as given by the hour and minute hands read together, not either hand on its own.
2:16
